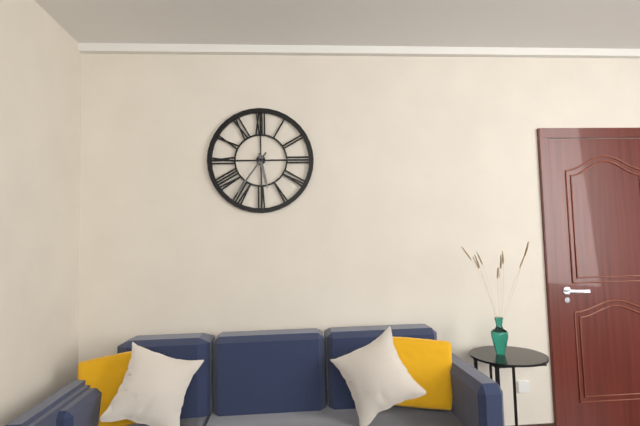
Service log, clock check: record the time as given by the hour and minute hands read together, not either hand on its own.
5:36
